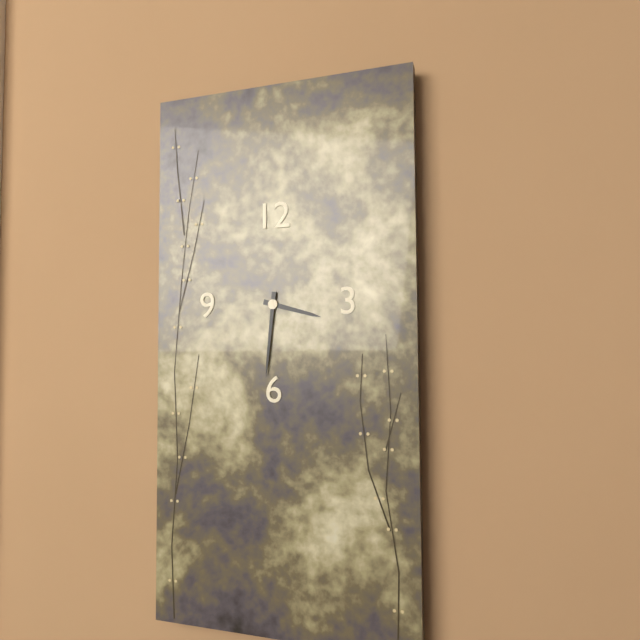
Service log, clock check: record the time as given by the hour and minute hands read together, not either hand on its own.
3:31
